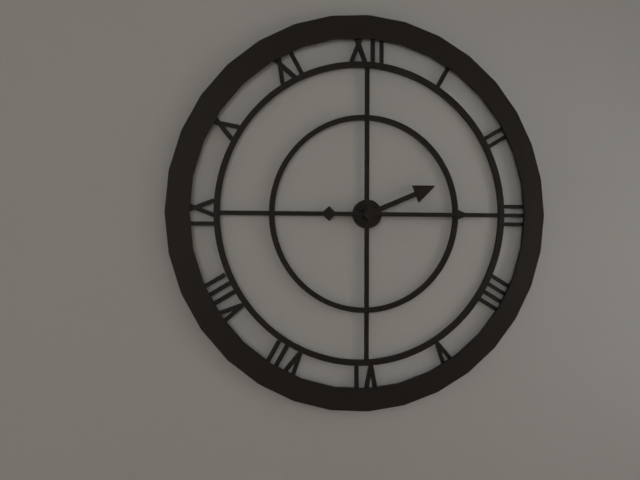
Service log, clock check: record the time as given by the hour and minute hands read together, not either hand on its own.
2:15
